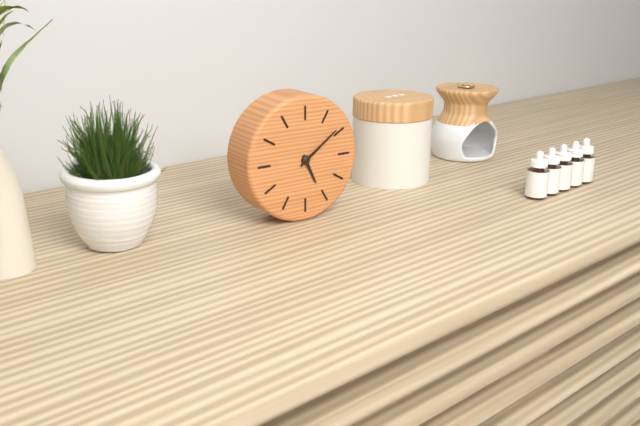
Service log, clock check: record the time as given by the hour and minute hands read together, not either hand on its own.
5:09
